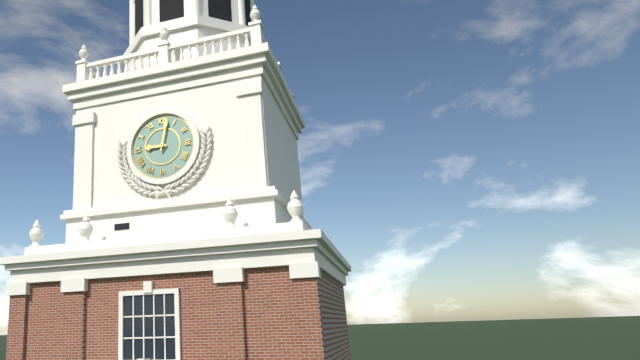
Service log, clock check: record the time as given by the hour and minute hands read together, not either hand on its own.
9:02
